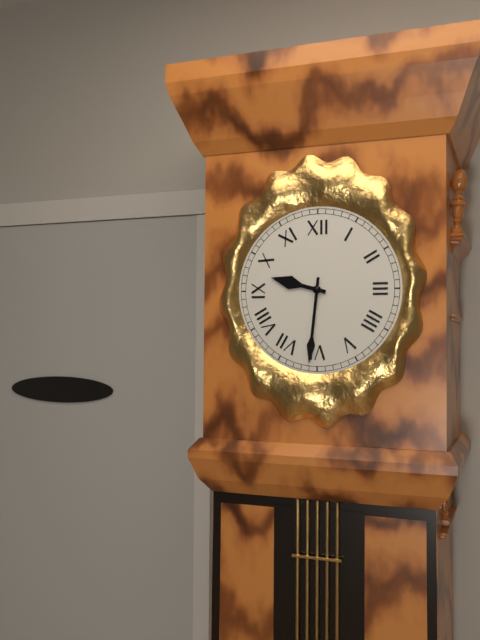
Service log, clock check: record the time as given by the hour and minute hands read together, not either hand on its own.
9:31
